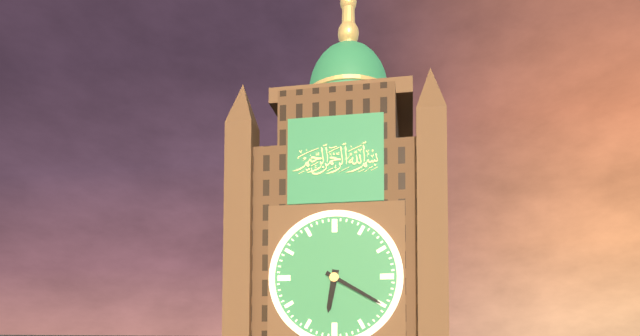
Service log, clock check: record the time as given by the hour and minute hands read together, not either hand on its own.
6:20
